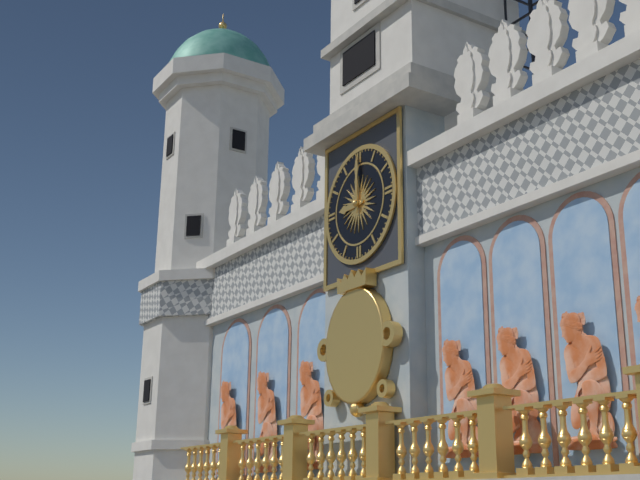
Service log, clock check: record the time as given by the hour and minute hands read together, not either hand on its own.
9:00
